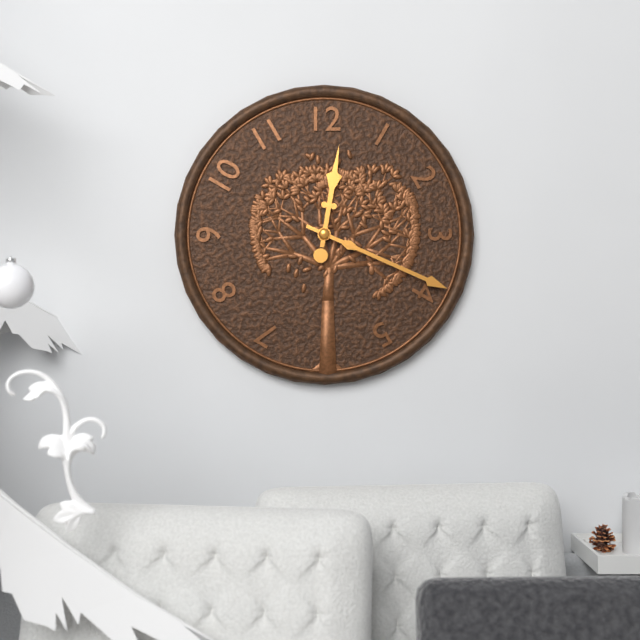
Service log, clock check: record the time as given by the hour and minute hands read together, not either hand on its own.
12:19
